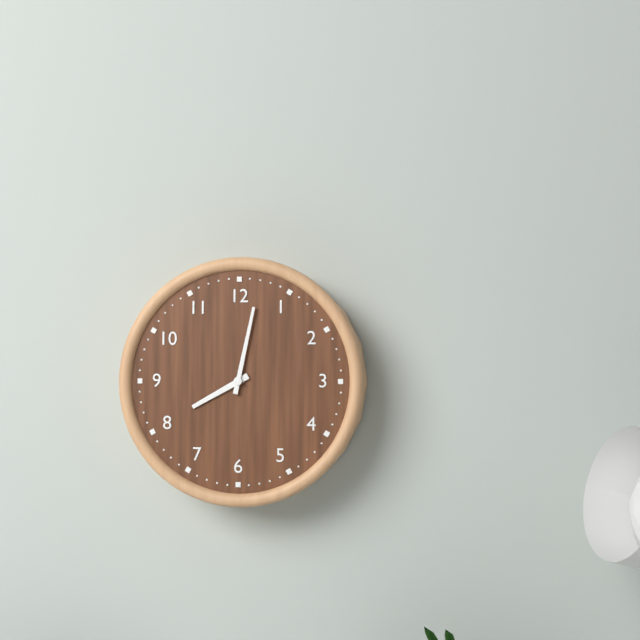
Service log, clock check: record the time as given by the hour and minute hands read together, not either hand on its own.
8:02
